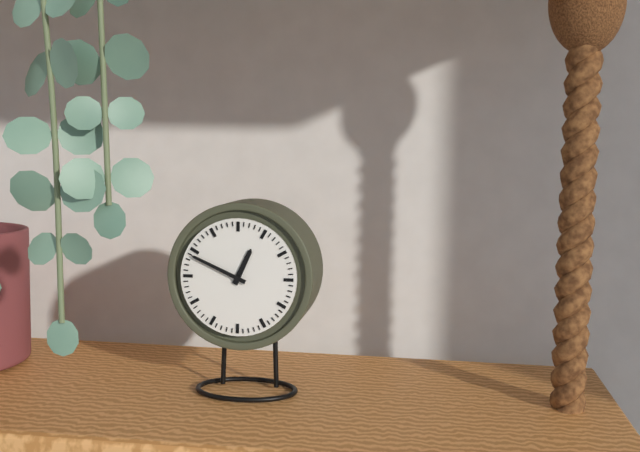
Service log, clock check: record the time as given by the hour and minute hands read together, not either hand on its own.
12:49
